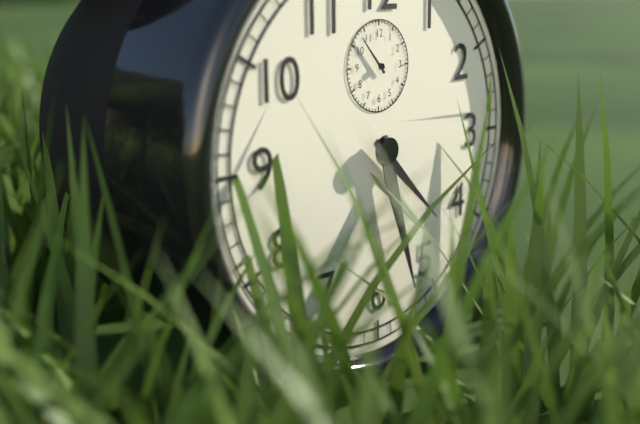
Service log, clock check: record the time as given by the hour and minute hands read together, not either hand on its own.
4:27
